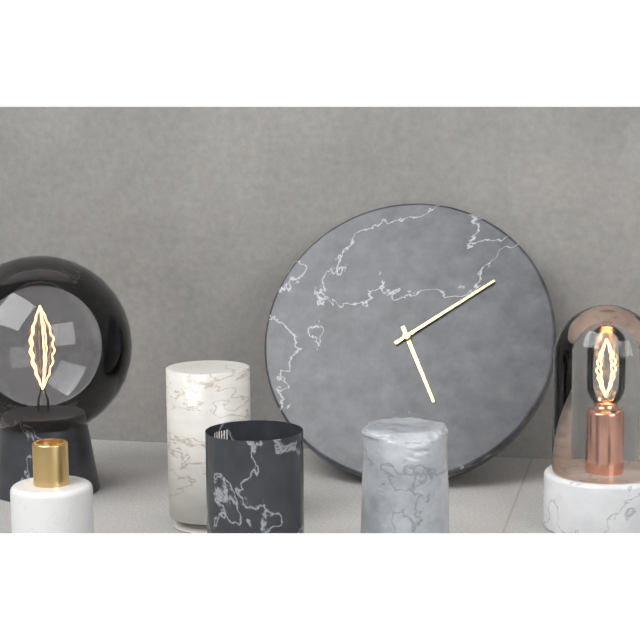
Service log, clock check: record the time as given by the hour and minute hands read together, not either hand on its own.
5:09
